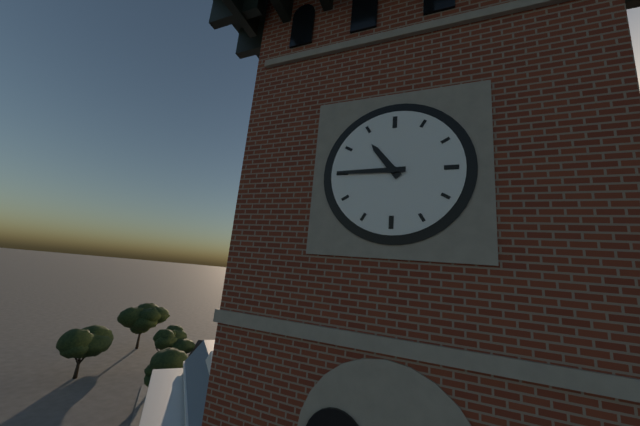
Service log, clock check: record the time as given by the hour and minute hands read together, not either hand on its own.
10:45
